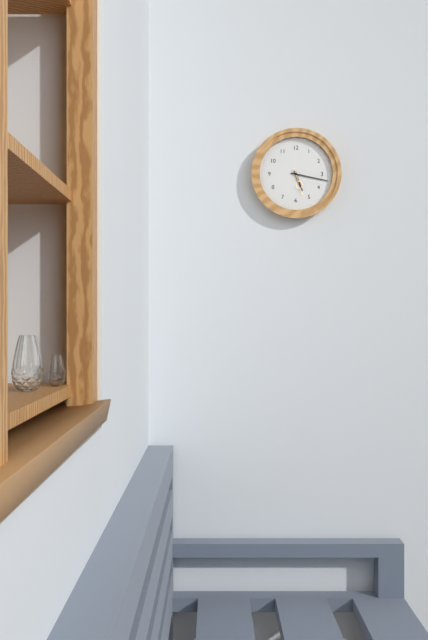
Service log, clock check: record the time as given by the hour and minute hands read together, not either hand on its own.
5:17
